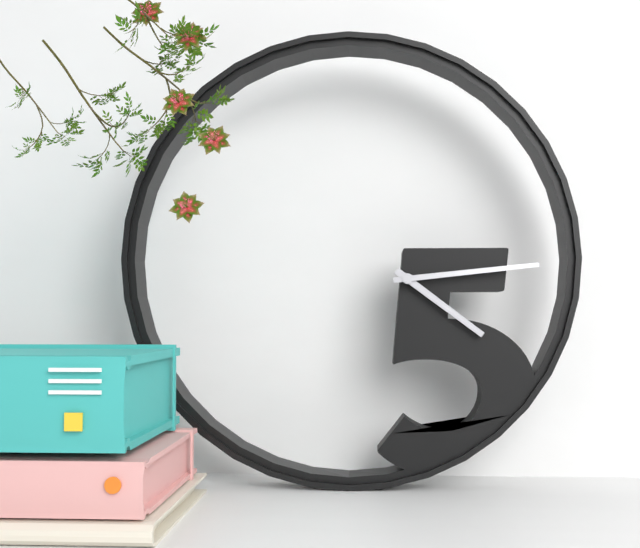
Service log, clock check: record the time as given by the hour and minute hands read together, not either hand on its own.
4:14
